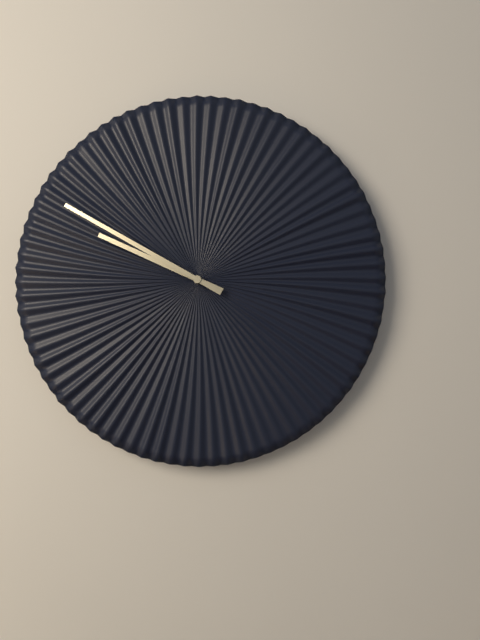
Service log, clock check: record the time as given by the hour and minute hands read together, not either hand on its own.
9:50
